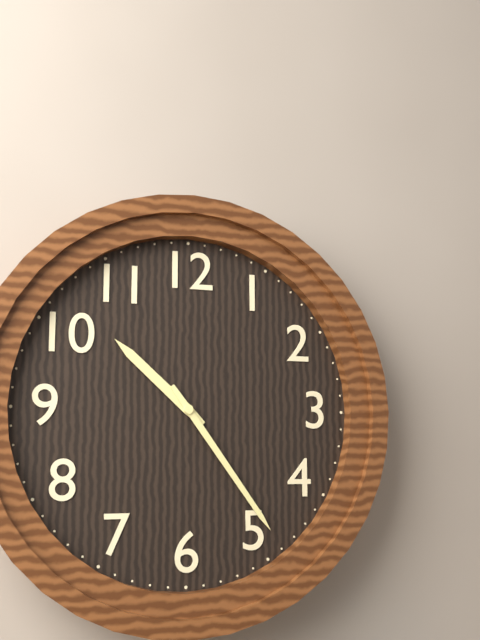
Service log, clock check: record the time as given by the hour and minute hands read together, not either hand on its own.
10:24
